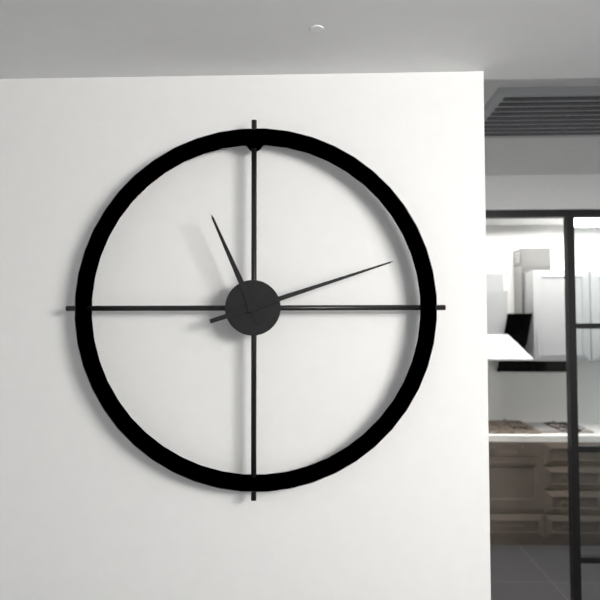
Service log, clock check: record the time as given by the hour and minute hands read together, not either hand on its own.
11:12
